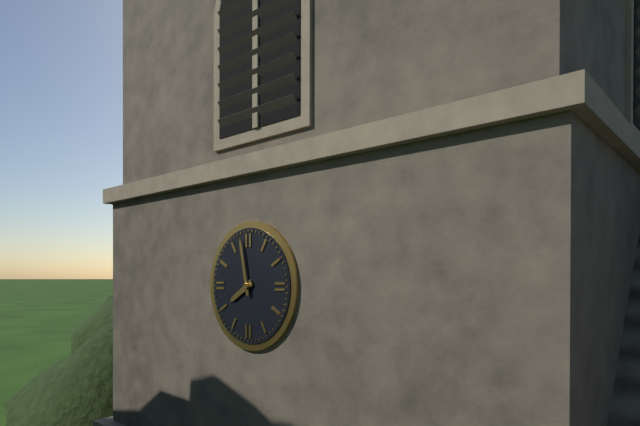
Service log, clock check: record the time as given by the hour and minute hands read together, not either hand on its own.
7:58
